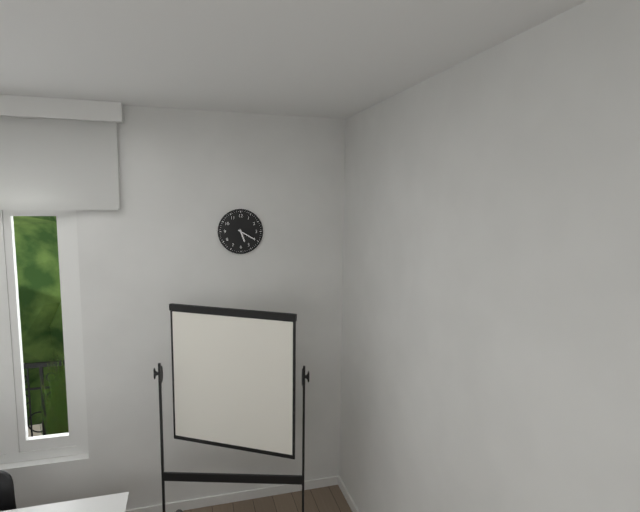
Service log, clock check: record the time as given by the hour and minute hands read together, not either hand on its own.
5:20
